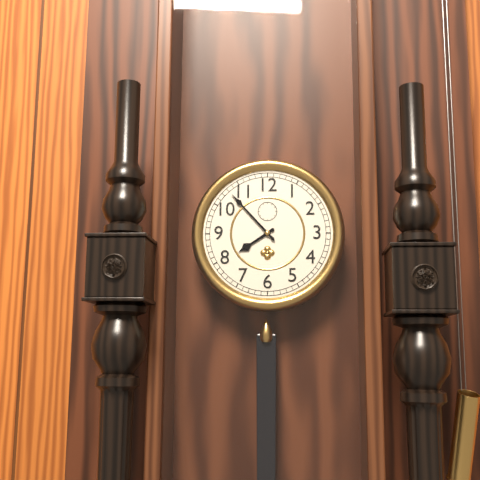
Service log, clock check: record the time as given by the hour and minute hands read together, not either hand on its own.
7:53
